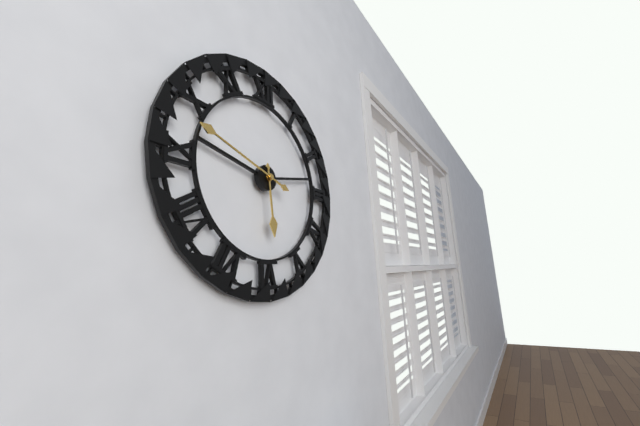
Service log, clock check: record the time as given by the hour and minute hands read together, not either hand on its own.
5:48
